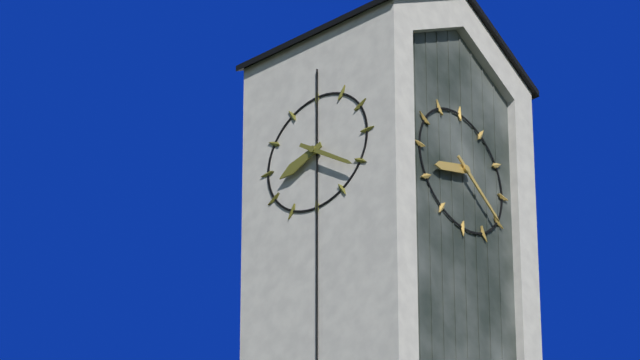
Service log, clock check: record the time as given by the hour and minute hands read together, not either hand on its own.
8:21
